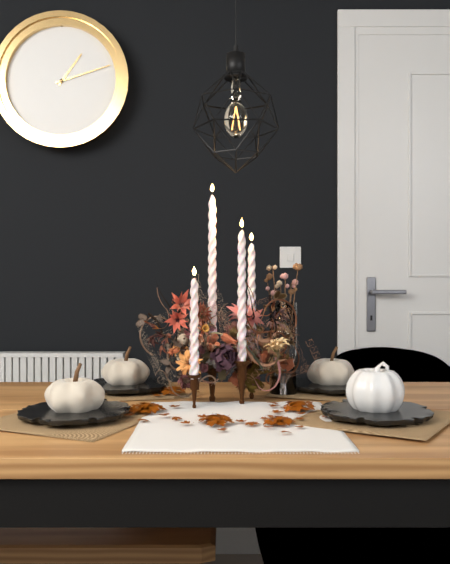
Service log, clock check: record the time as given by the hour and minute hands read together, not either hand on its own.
1:12
